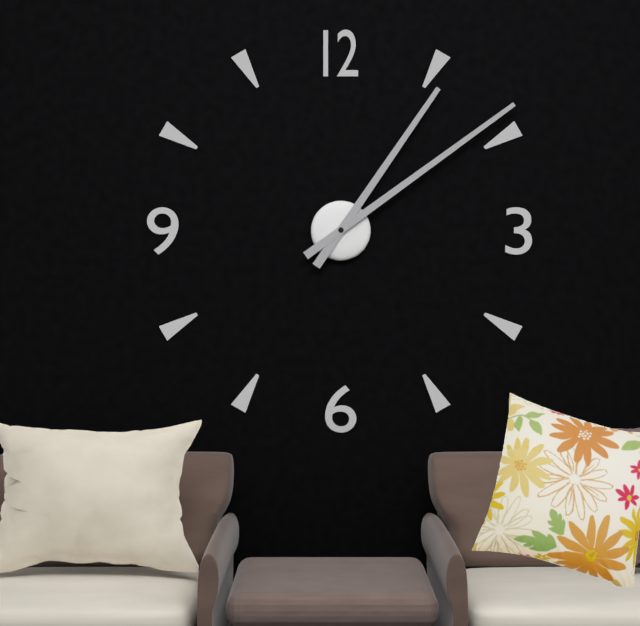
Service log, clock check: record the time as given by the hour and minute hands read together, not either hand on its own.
1:09
